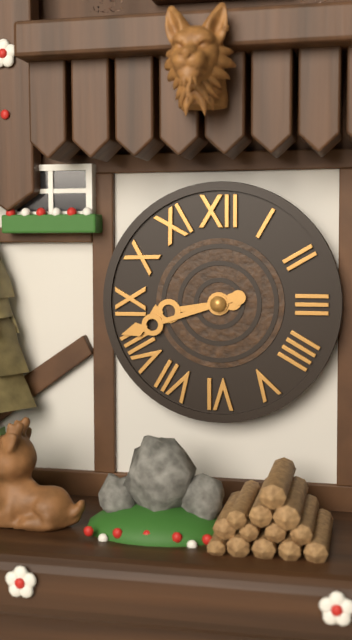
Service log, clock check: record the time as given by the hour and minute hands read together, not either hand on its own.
8:42
